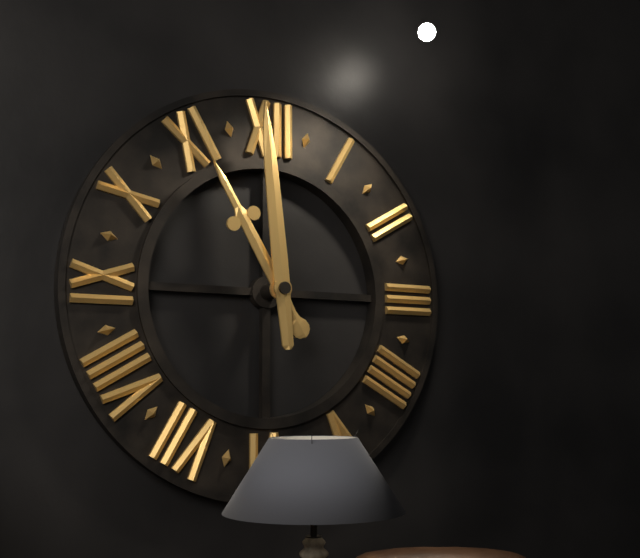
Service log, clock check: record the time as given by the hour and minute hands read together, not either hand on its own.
10:59
